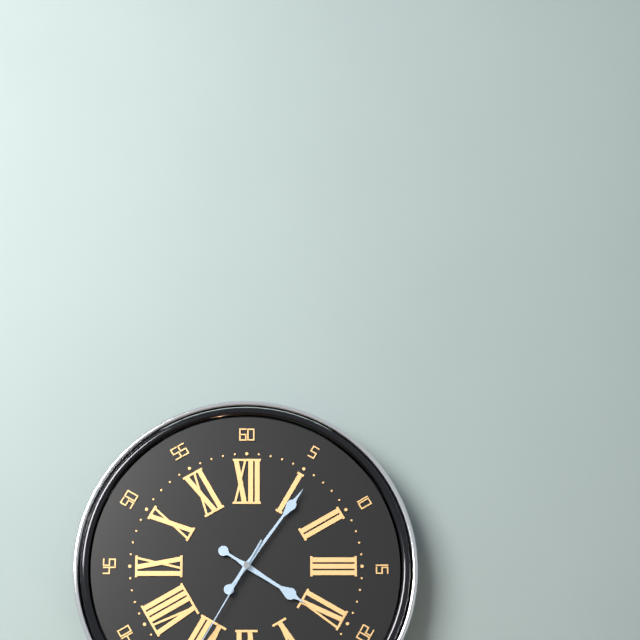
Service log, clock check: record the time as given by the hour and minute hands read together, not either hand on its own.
4:06
